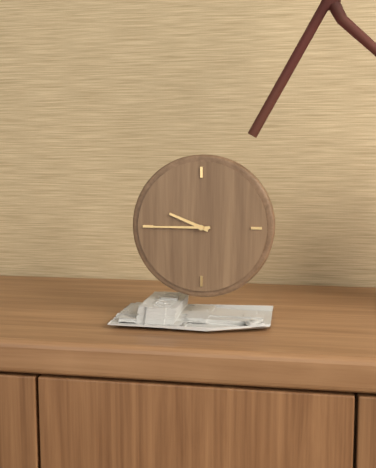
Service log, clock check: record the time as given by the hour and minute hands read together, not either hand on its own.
9:45
